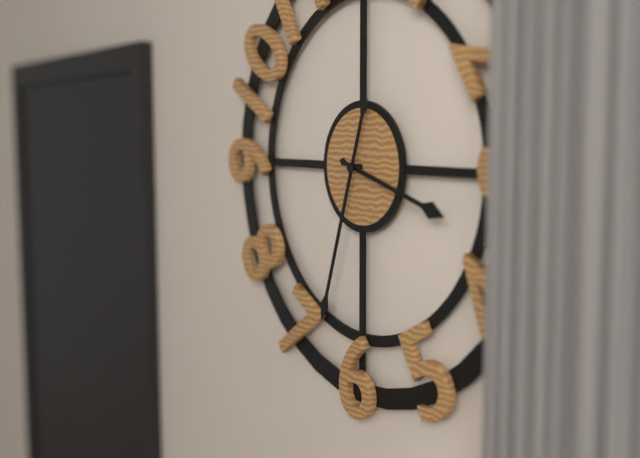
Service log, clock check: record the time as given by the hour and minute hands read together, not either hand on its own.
3:33
